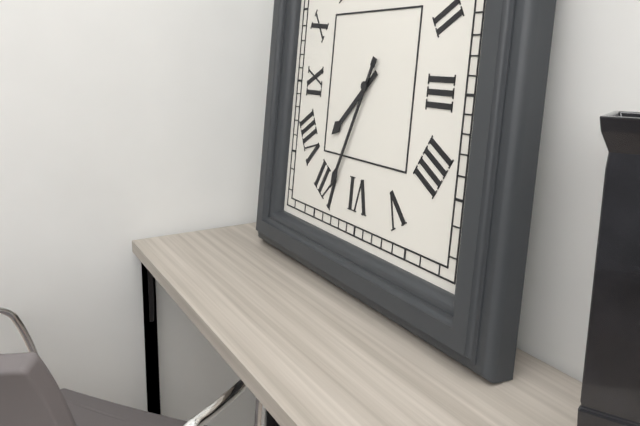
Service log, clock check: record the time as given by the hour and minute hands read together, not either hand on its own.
7:34
